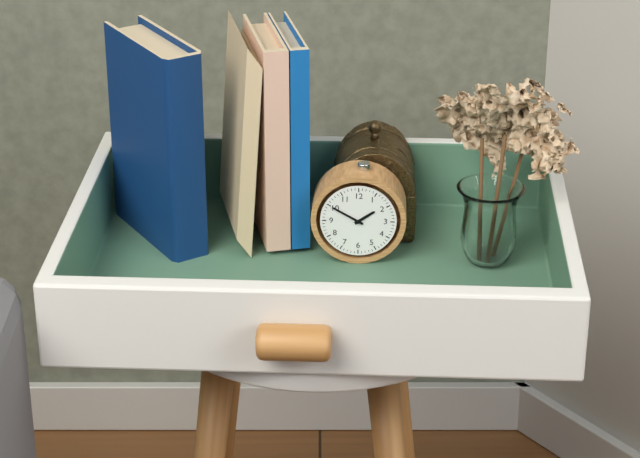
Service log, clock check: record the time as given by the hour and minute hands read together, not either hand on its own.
1:50
